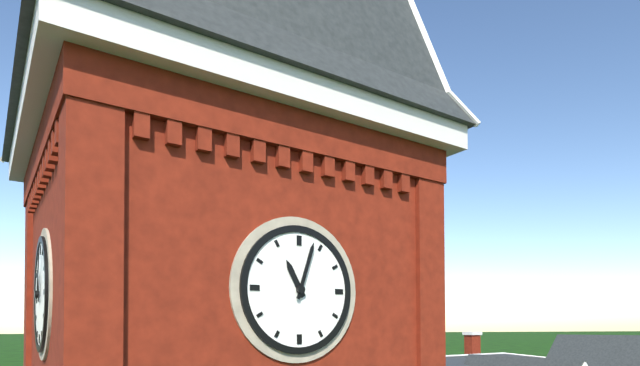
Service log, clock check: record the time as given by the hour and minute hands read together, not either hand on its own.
11:03
